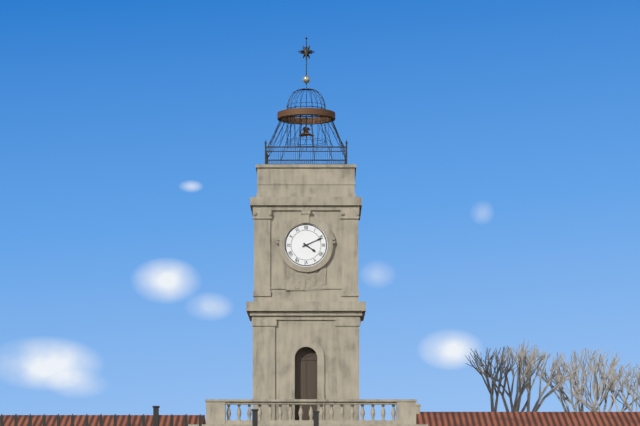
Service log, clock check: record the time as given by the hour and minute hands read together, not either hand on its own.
4:11
